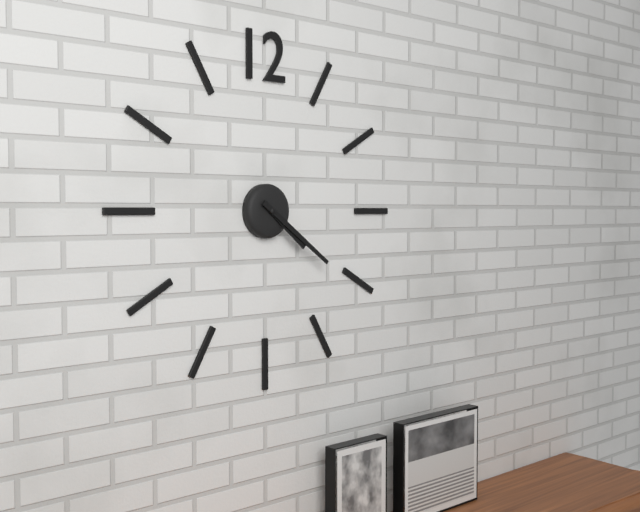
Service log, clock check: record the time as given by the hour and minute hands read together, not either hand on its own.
4:21
